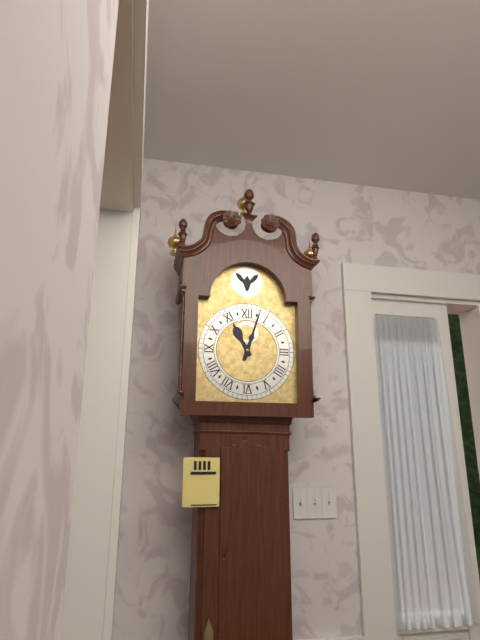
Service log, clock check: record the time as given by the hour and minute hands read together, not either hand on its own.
11:03
